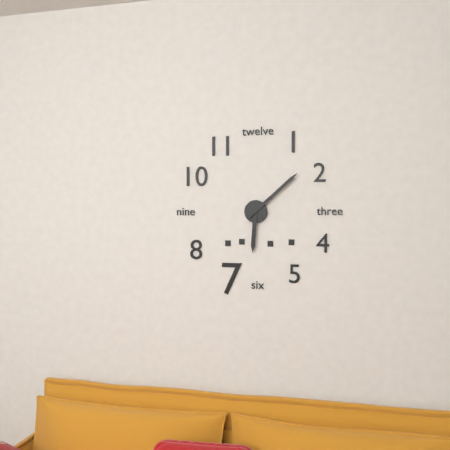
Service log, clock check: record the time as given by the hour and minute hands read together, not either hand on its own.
6:08
